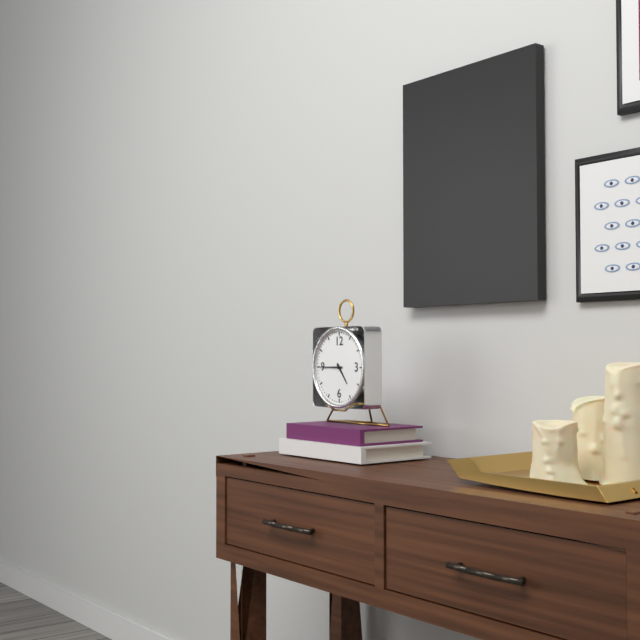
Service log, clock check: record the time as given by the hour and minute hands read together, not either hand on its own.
4:45
